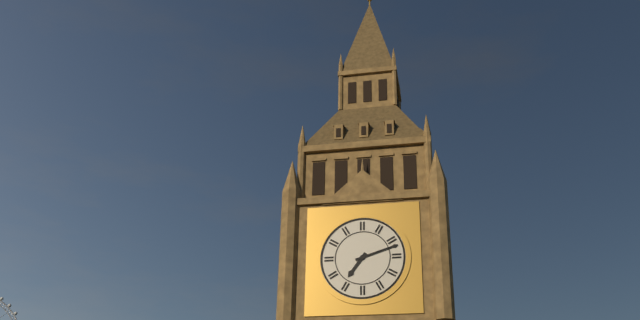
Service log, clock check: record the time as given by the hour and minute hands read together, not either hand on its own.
7:12
